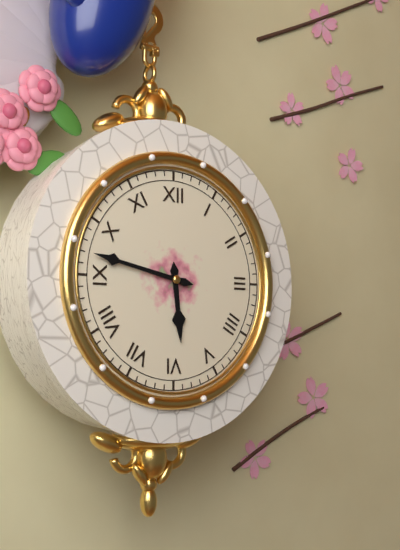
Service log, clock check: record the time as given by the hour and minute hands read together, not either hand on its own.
5:47
